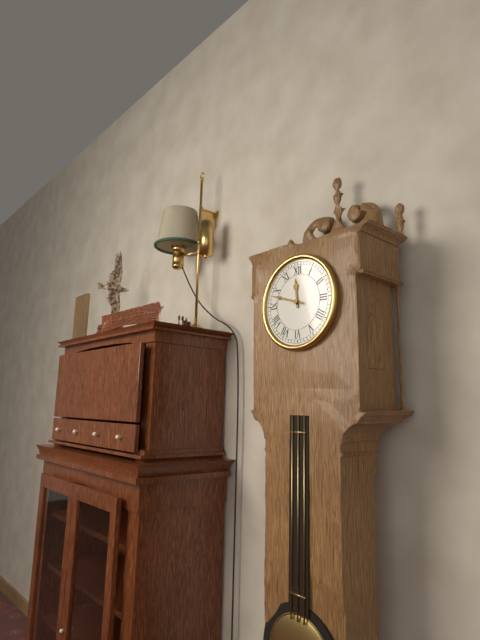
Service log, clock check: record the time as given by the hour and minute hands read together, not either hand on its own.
11:48
